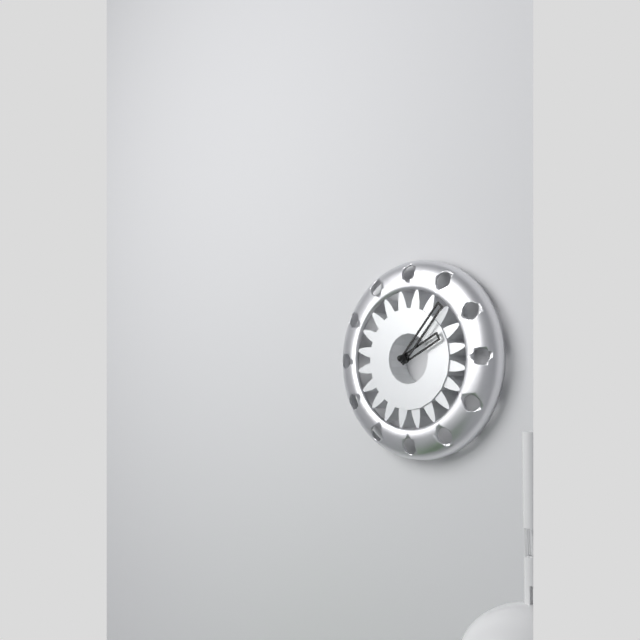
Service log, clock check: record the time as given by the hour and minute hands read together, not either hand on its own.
2:07
